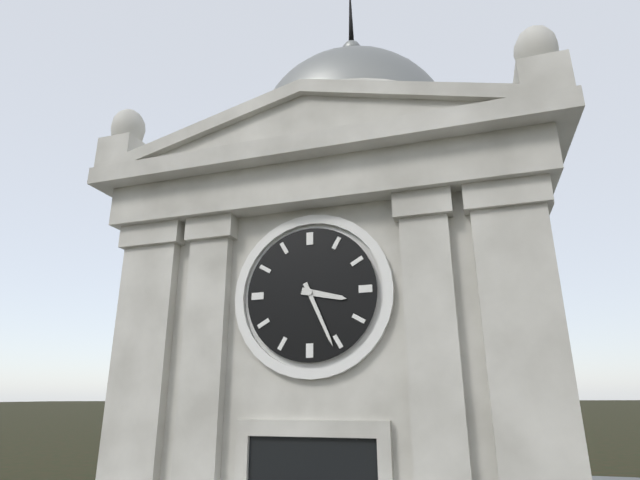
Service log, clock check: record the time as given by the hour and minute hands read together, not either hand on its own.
3:26
